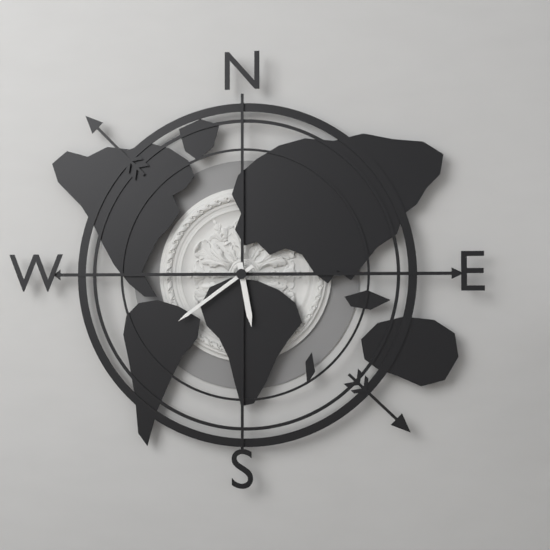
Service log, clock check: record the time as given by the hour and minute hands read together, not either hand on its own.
5:39
